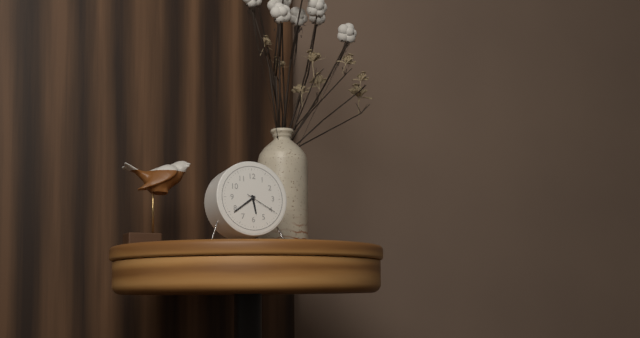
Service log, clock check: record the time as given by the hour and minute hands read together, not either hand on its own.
5:39
